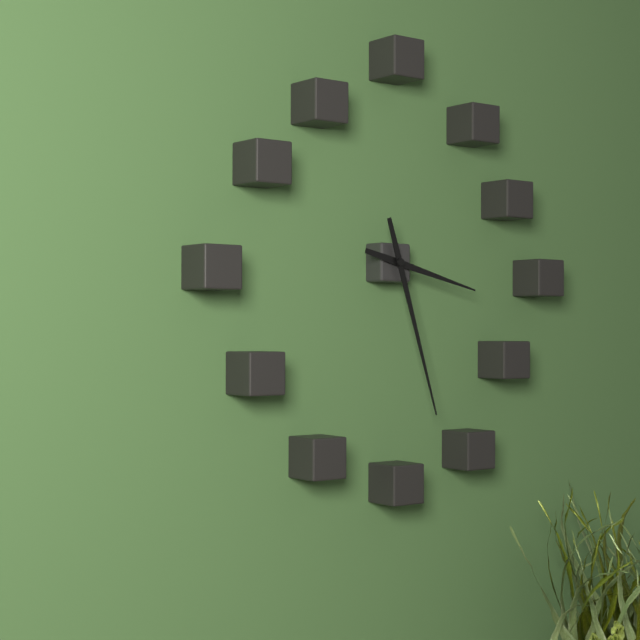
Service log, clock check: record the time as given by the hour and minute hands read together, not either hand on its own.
3:27
